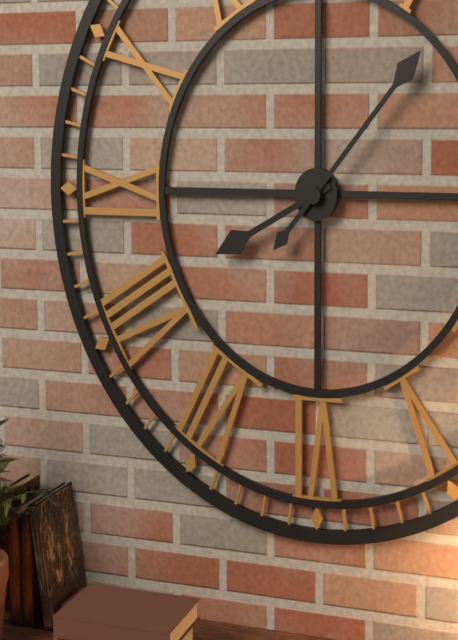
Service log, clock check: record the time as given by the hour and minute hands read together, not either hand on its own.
8:07
